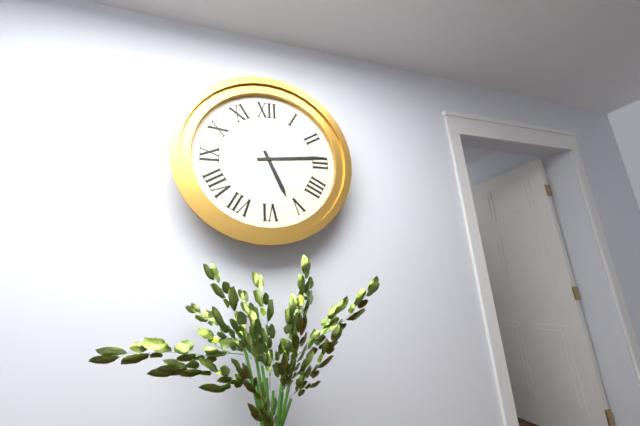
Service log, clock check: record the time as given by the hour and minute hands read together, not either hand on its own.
5:14
